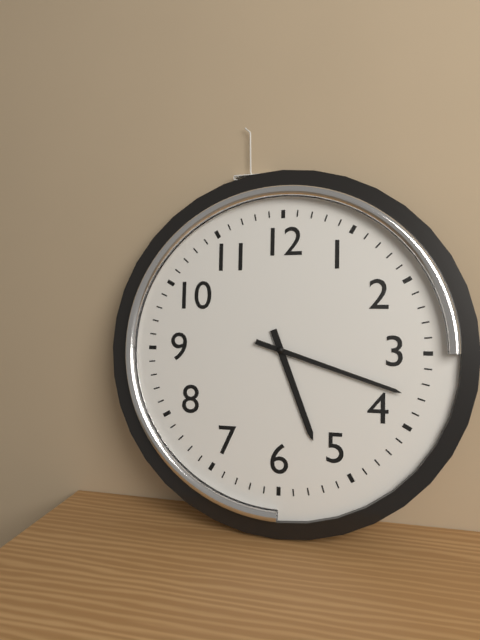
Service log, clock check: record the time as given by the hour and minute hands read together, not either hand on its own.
5:18
